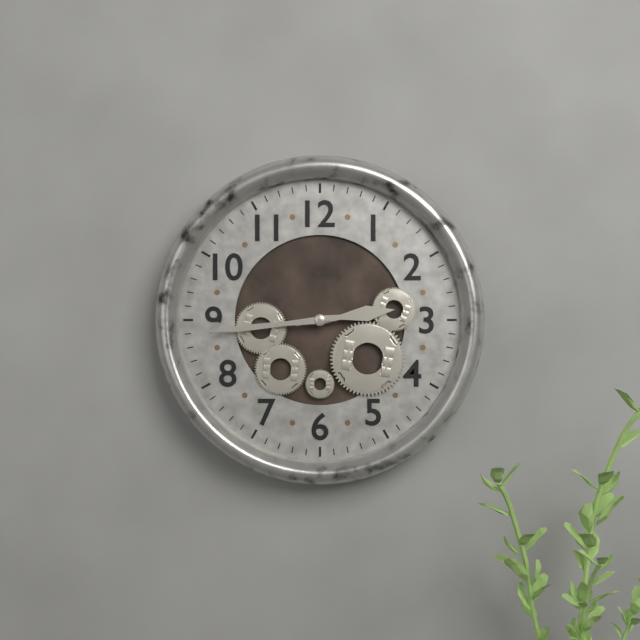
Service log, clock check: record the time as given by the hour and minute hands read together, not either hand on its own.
2:44
